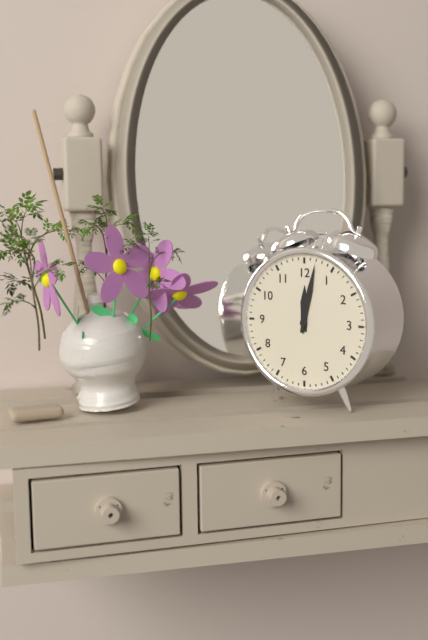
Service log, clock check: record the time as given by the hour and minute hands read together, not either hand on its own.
12:02
